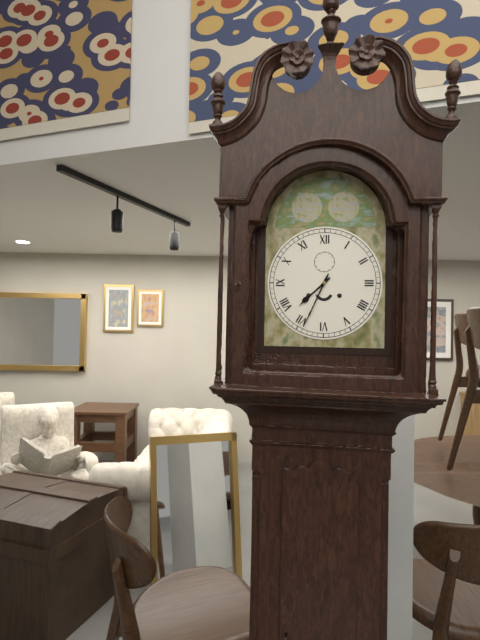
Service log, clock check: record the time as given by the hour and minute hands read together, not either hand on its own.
7:34
